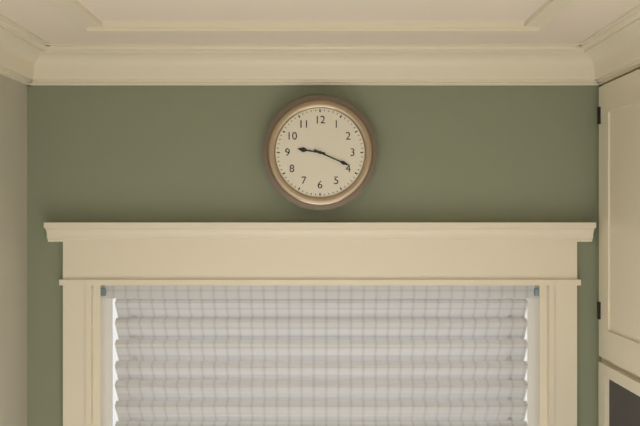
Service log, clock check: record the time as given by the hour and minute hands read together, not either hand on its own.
9:19
